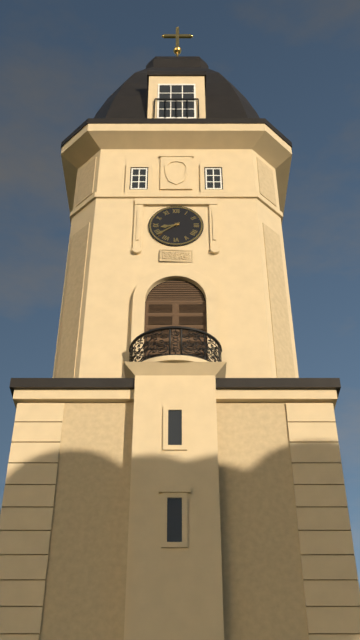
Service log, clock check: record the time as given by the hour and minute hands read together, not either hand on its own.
8:39
